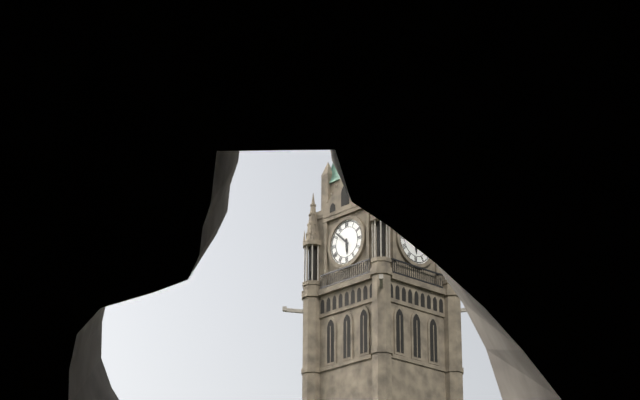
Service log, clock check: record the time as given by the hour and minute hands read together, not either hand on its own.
5:52
